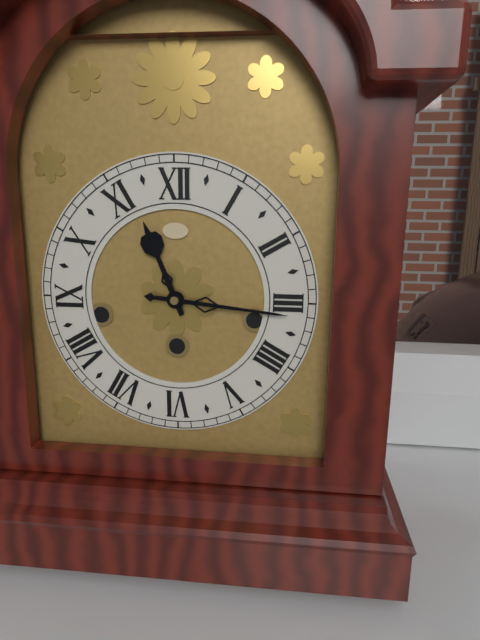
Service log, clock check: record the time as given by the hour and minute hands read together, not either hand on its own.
11:16
